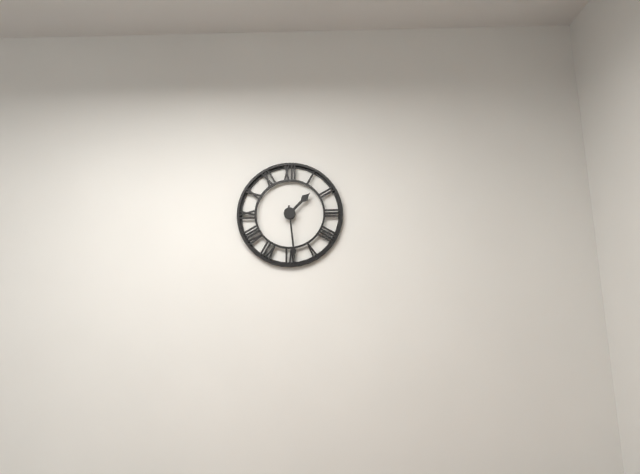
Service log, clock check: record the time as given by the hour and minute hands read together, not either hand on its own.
1:29
